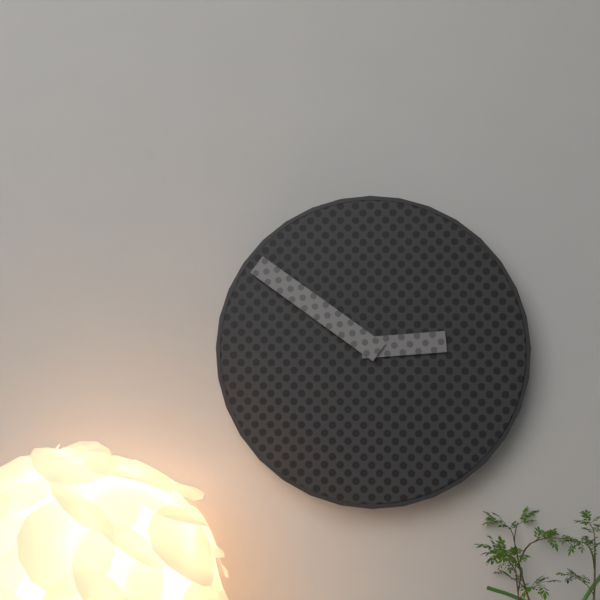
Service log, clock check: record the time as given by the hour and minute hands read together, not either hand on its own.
2:51
